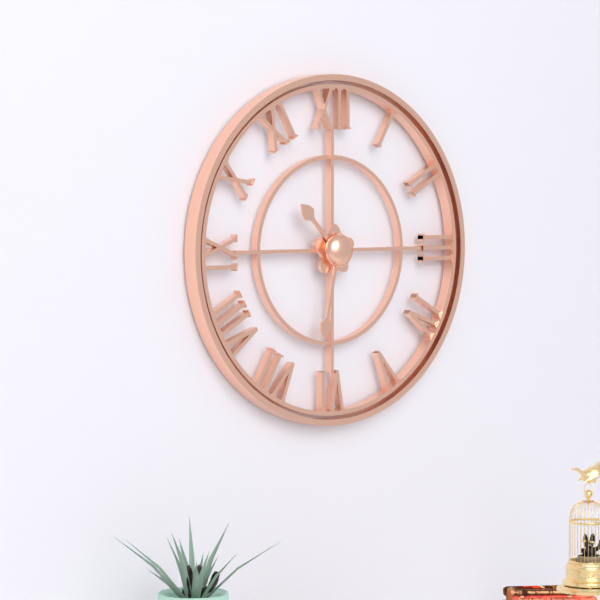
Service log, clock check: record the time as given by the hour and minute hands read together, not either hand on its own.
10:32
